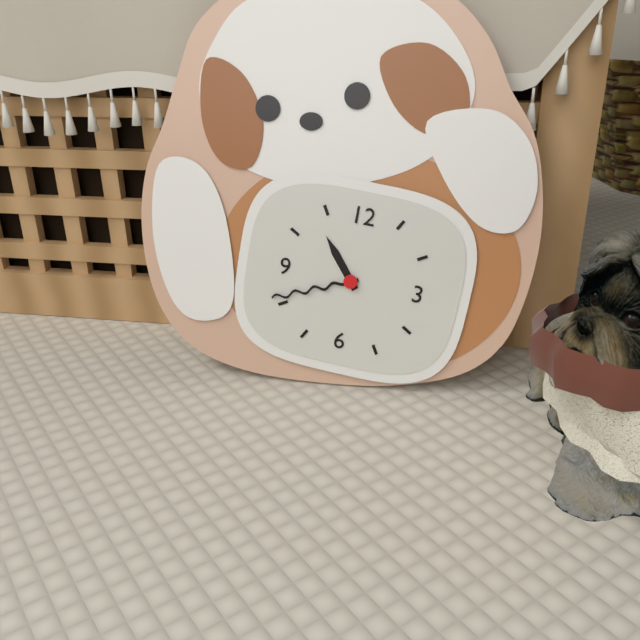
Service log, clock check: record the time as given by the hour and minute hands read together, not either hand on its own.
10:41
